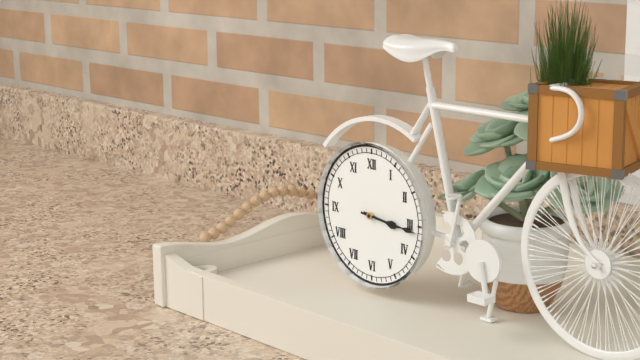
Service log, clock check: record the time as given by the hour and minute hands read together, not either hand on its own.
3:16
